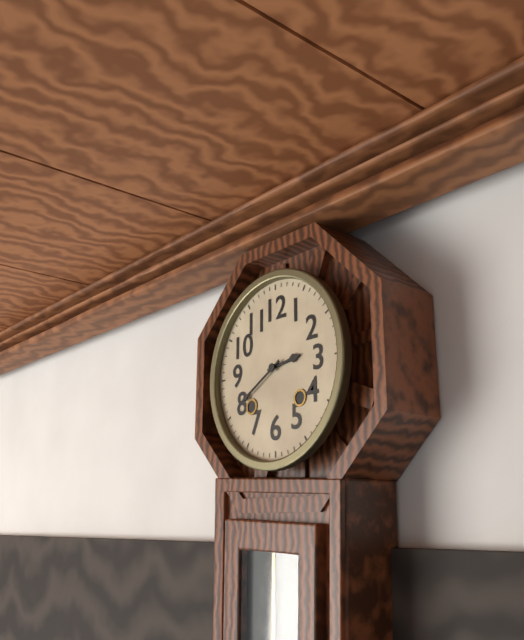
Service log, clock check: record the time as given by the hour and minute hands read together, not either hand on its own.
2:40
